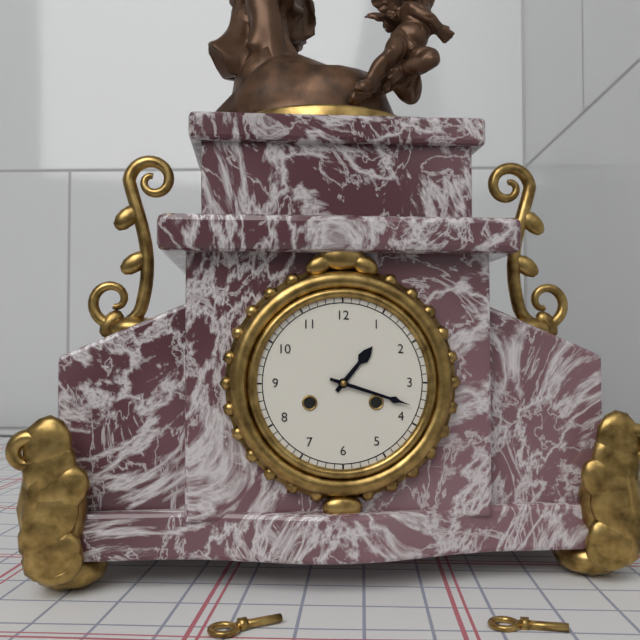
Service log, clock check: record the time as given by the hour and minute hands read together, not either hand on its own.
1:18
